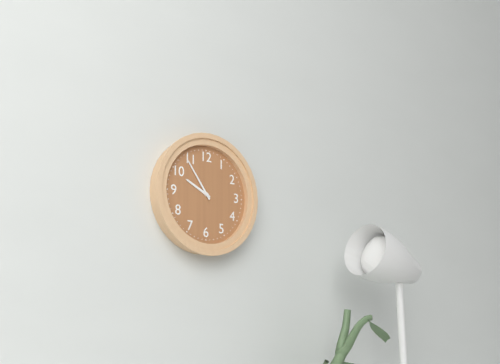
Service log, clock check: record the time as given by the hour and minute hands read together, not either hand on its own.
9:54
